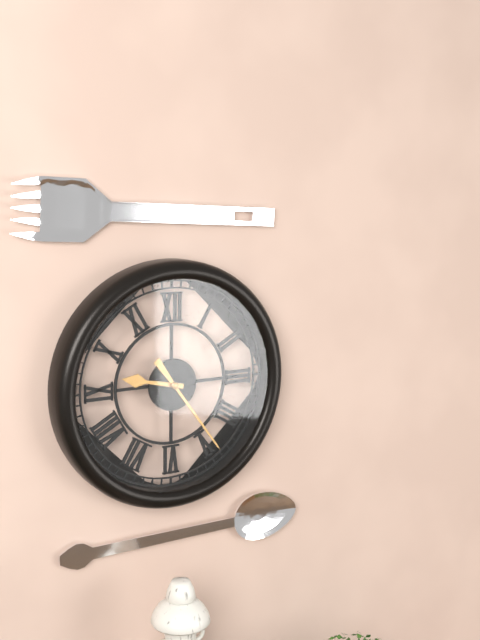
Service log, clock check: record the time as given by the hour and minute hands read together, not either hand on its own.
9:24
